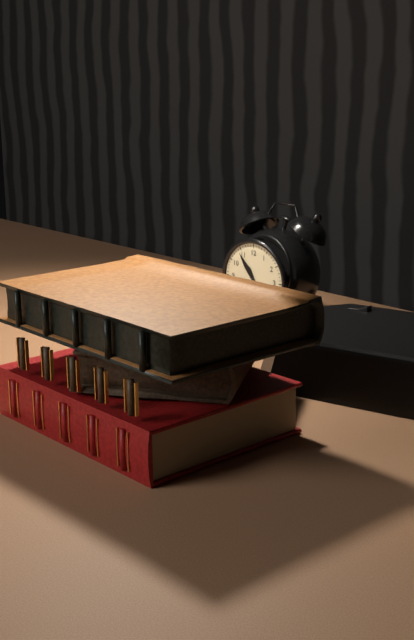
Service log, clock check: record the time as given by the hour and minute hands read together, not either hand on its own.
10:54
